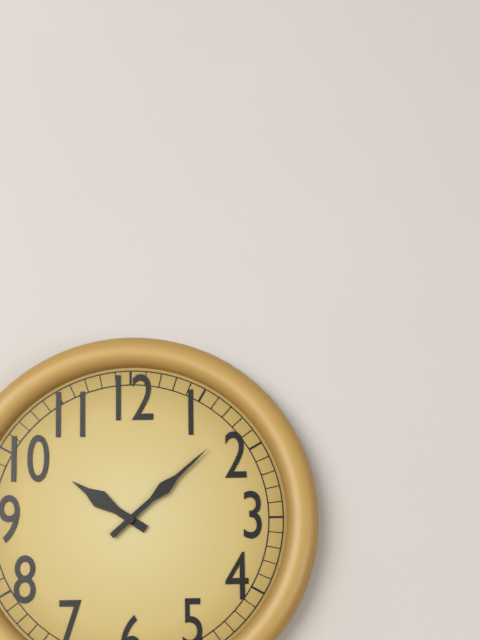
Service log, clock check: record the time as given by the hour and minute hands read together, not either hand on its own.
10:08
